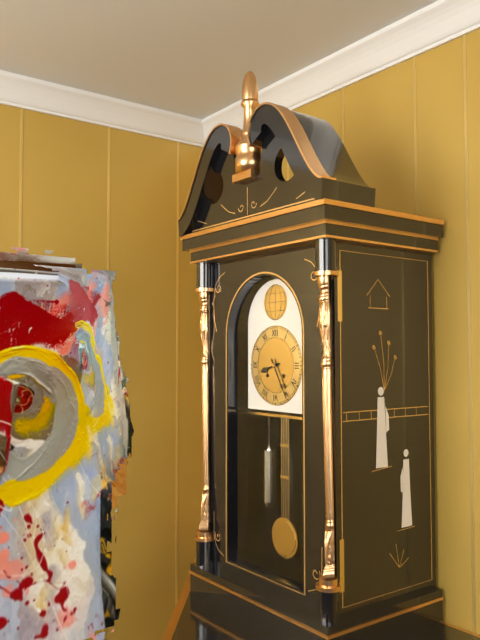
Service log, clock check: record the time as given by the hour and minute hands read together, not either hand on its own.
8:25
